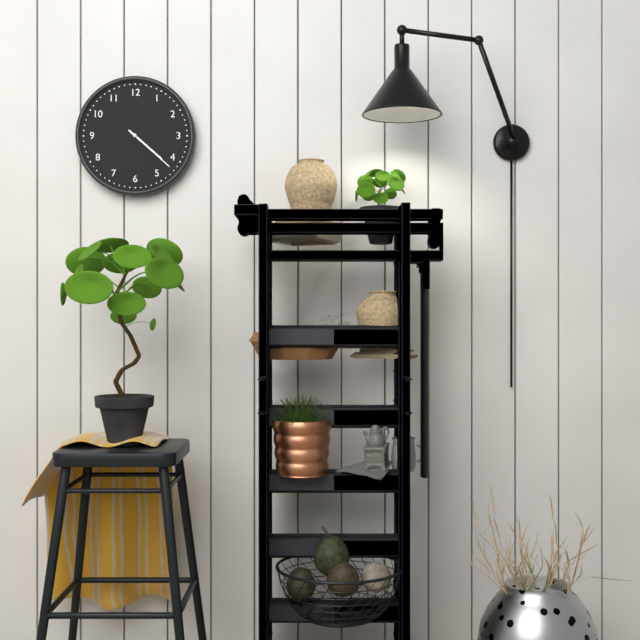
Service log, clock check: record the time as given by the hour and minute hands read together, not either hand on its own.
4:22
